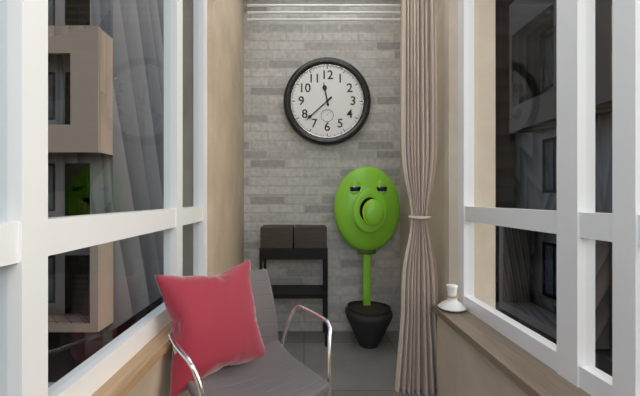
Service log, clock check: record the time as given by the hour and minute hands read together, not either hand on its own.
11:38
